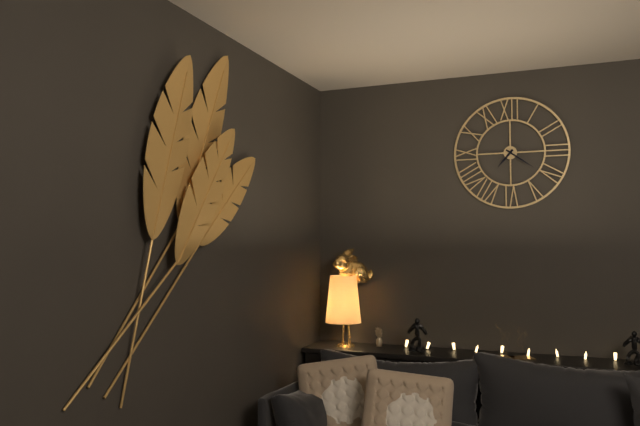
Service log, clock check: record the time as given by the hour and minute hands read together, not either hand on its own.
7:21
